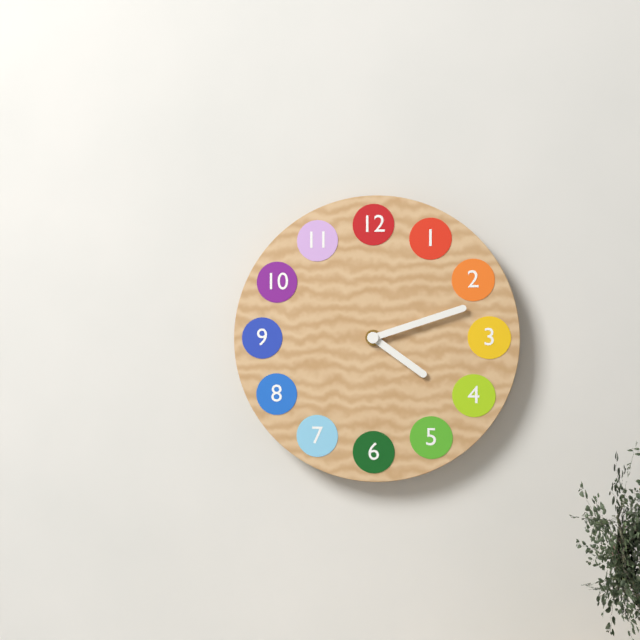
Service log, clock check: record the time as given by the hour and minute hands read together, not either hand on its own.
4:12
